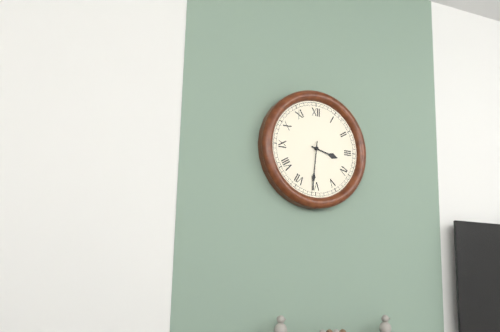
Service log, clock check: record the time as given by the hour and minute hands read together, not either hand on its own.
3:31
